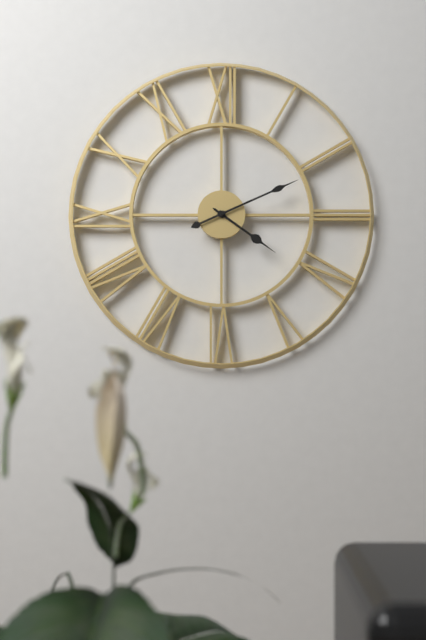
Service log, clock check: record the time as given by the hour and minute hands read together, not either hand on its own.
4:11
